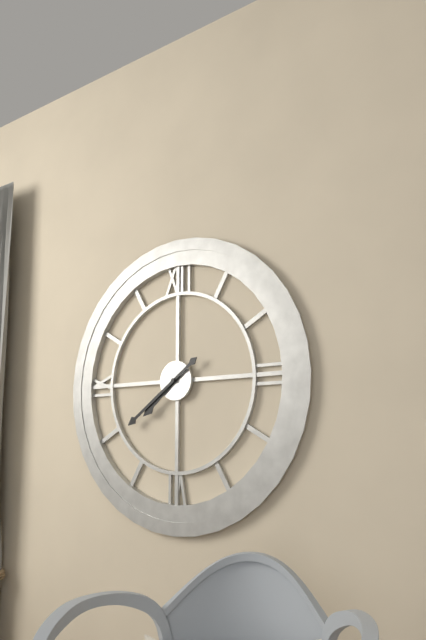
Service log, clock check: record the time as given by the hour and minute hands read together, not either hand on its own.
7:39
